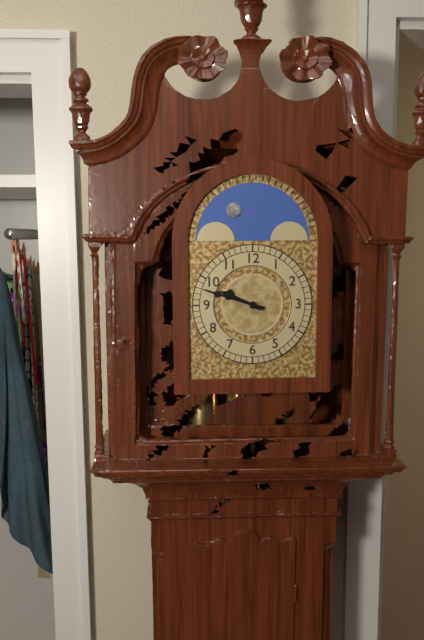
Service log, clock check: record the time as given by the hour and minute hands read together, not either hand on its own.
9:48
